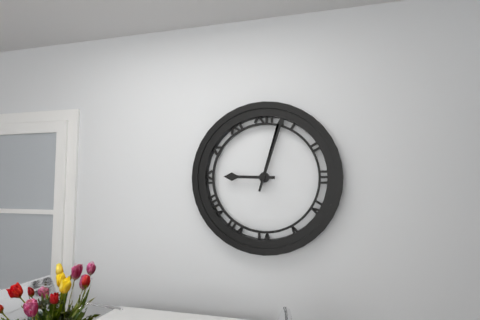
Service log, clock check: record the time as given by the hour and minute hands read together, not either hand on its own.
9:03
